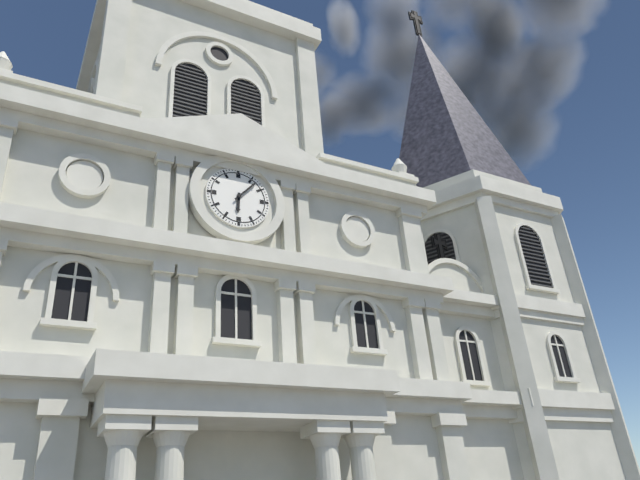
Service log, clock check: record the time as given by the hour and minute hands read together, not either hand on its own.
6:07
